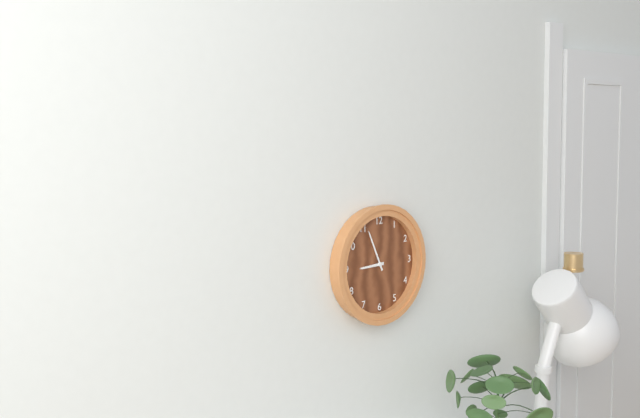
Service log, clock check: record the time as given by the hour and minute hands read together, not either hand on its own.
8:56
